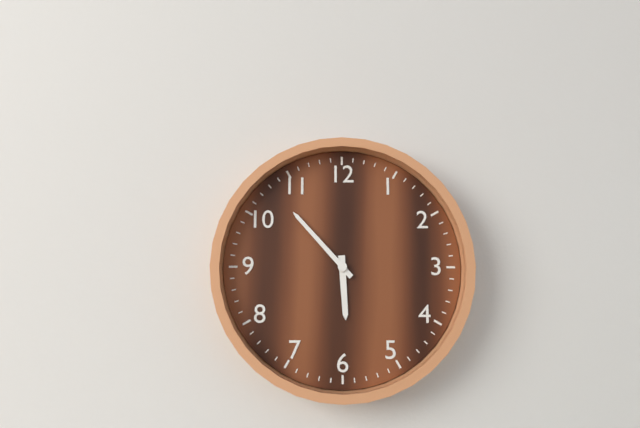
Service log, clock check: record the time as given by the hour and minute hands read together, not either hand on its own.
5:53
